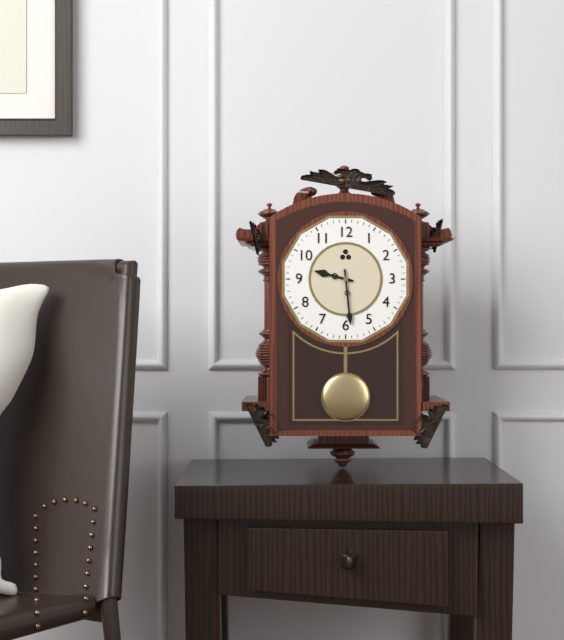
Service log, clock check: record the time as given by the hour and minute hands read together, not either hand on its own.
9:29
